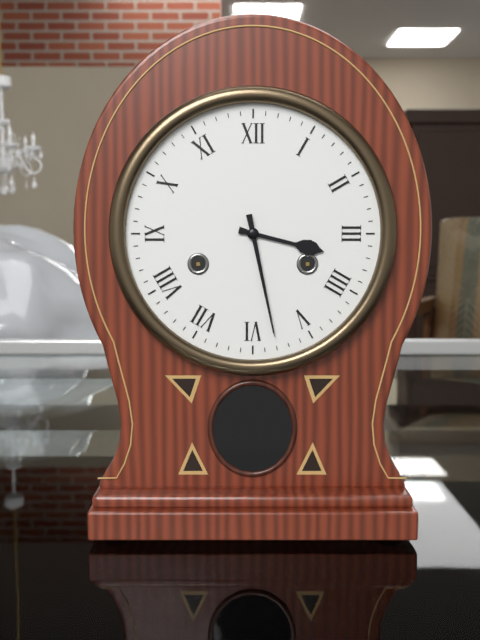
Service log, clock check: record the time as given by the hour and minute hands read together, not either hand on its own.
3:28
